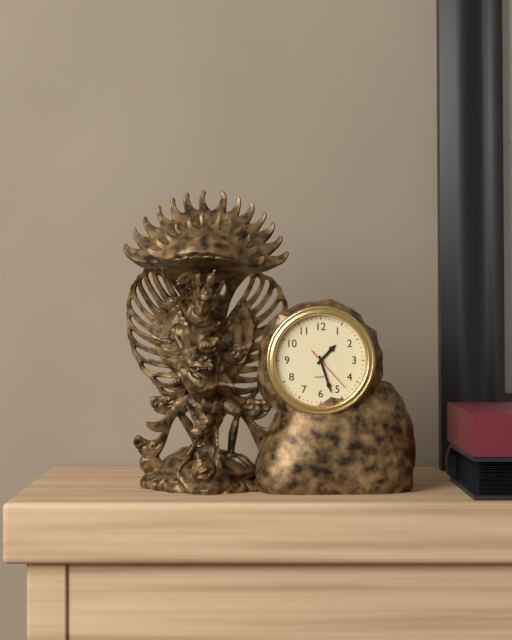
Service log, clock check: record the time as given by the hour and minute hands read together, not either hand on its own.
1:27
